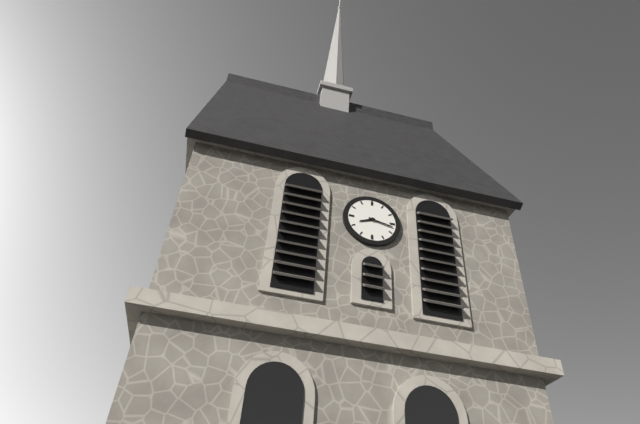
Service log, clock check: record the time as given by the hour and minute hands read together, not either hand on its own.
8:17
